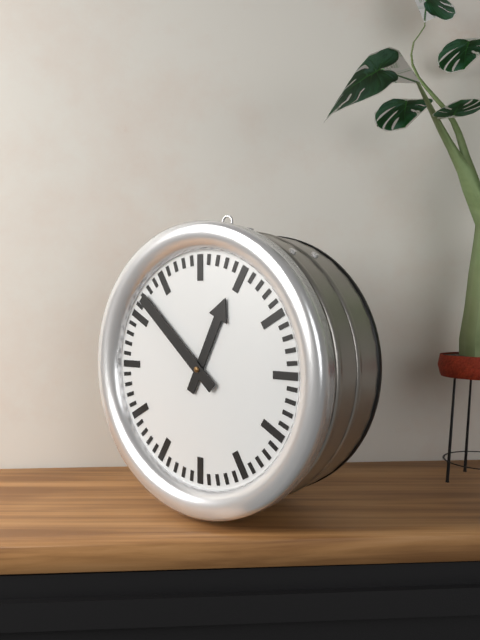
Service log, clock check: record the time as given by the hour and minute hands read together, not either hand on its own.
12:52
